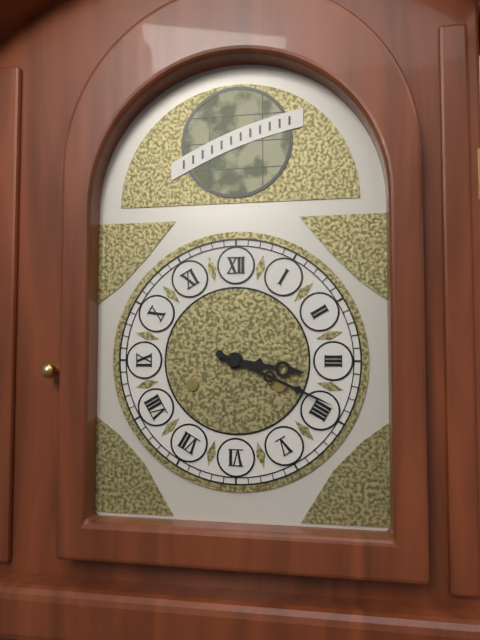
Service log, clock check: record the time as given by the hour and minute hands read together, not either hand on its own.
3:19
